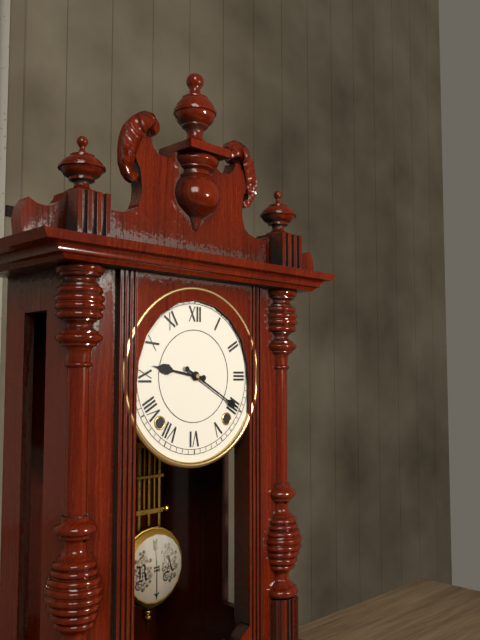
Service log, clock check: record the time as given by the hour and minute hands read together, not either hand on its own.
9:20
